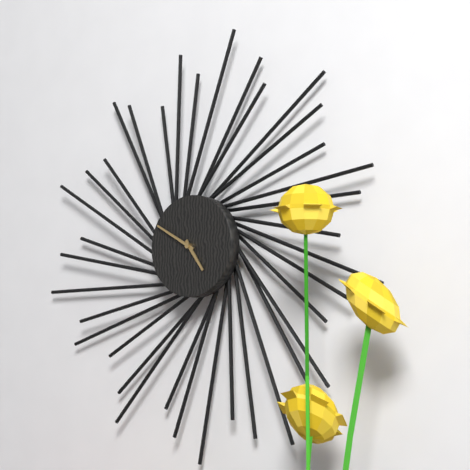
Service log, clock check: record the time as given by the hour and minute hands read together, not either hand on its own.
4:50
